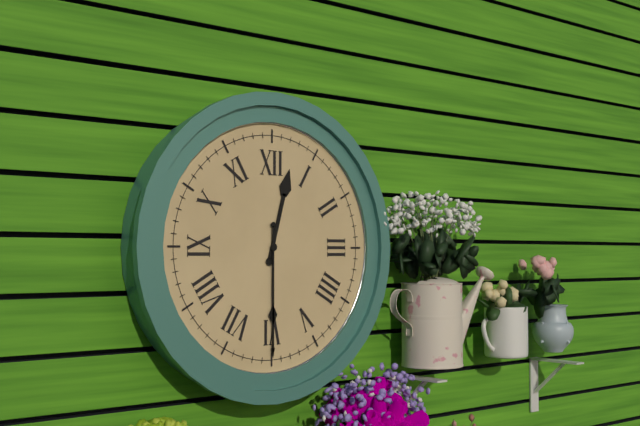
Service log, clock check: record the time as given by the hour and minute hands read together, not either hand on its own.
12:30
